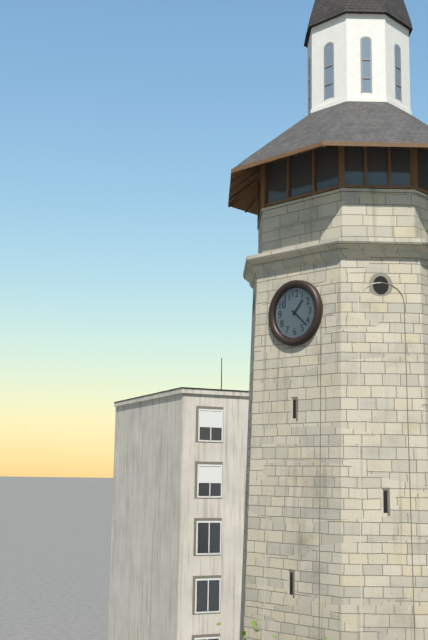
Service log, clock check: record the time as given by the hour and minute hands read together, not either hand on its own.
1:22
